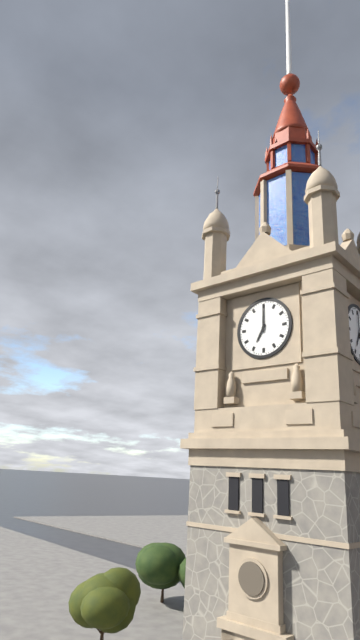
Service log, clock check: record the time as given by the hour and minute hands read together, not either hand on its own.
7:00
